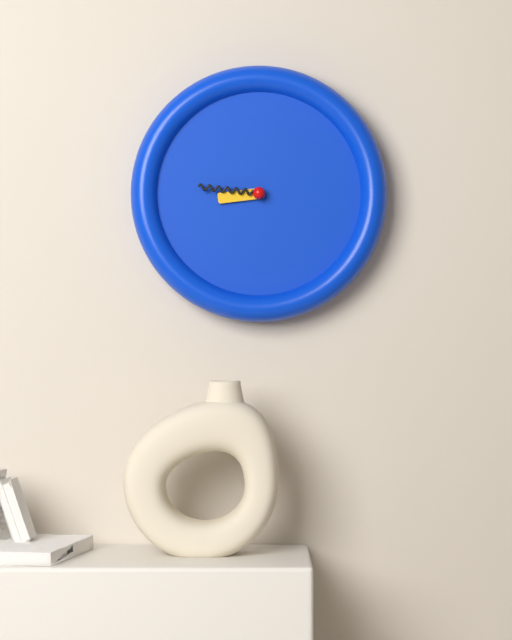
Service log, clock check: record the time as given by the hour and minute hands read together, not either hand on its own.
8:46
